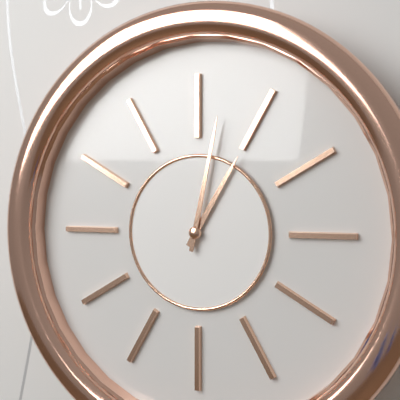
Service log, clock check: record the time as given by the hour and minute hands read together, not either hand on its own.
1:02
